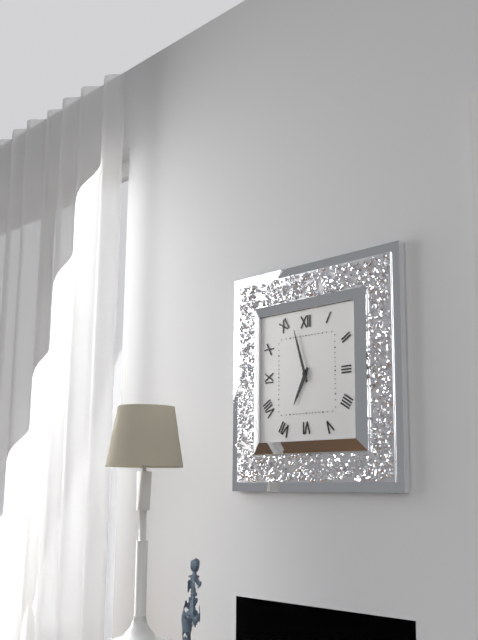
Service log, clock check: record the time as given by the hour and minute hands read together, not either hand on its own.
6:57
